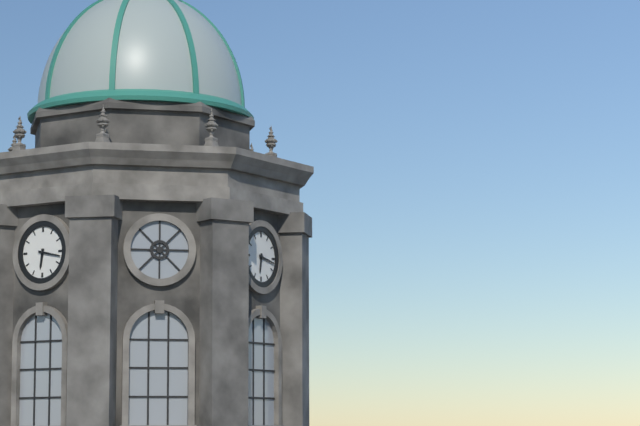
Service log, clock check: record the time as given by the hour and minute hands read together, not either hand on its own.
6:17
